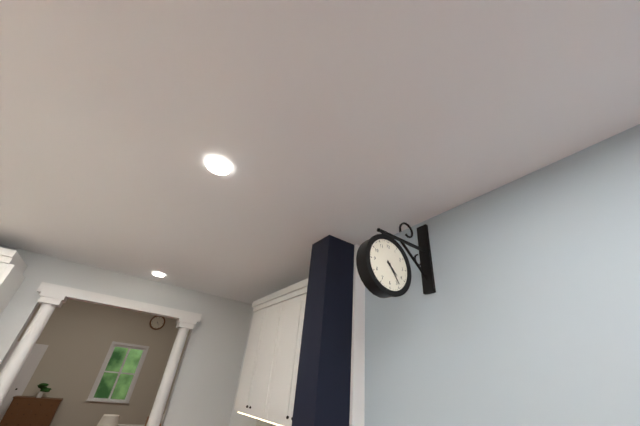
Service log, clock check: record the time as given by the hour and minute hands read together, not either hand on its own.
4:24
